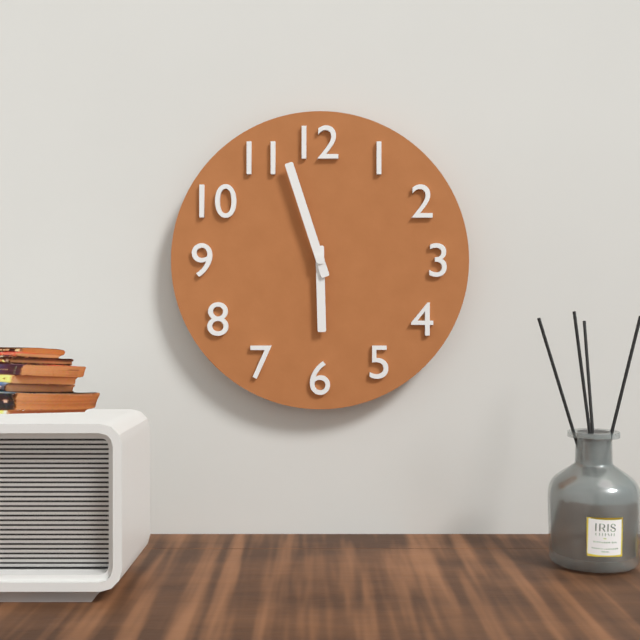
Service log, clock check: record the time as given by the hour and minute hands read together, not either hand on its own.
5:57
